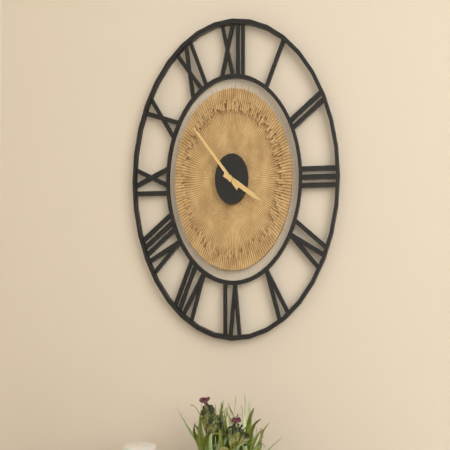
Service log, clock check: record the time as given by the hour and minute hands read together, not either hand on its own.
3:52
